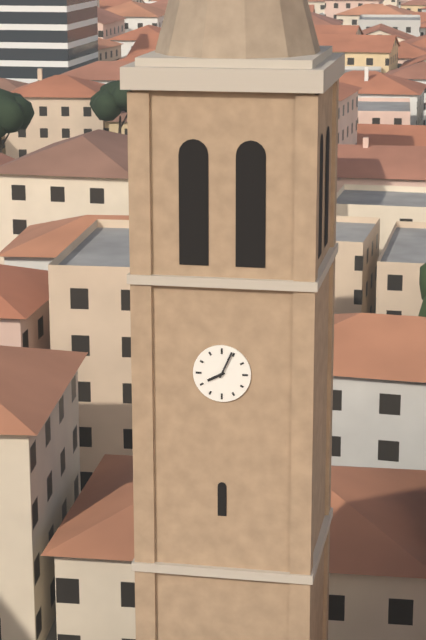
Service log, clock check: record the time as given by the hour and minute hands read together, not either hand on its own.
8:04
